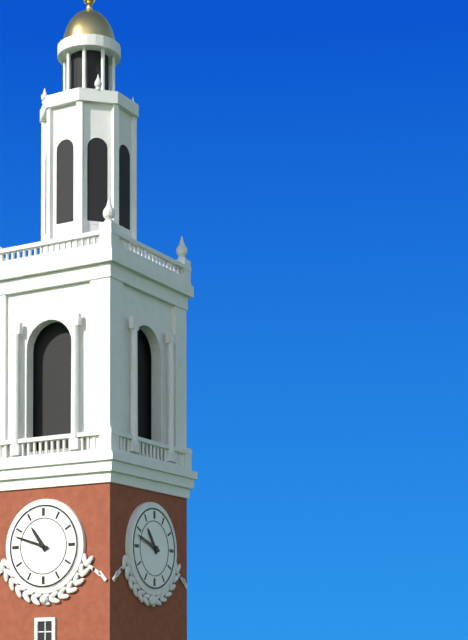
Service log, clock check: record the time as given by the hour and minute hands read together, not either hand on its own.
10:48
